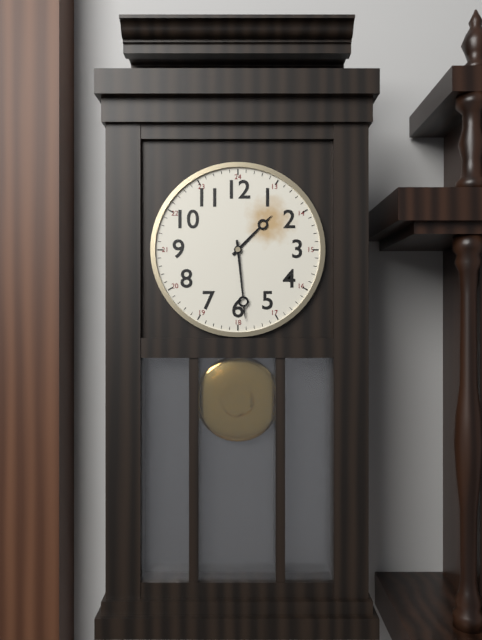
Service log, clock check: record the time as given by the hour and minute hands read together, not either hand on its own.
1:29
